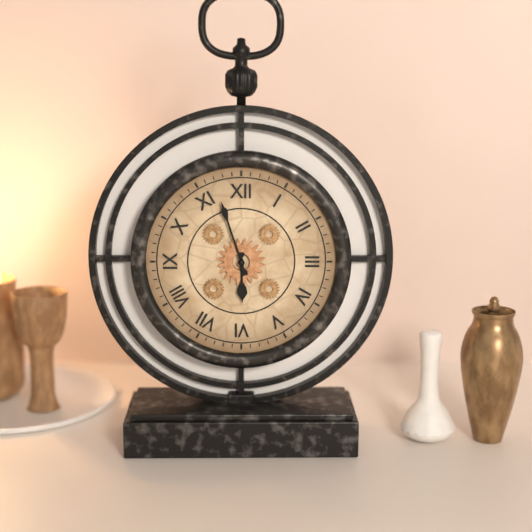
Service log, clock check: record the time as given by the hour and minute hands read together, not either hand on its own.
5:57
